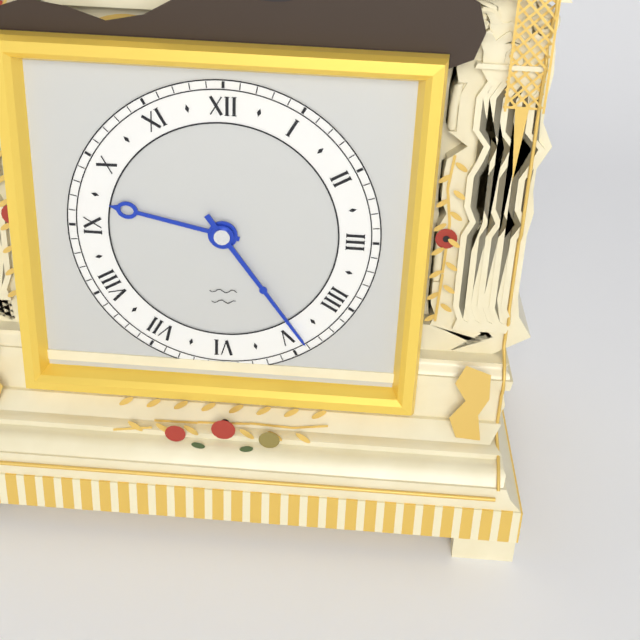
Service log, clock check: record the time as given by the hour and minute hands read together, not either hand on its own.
9:24
